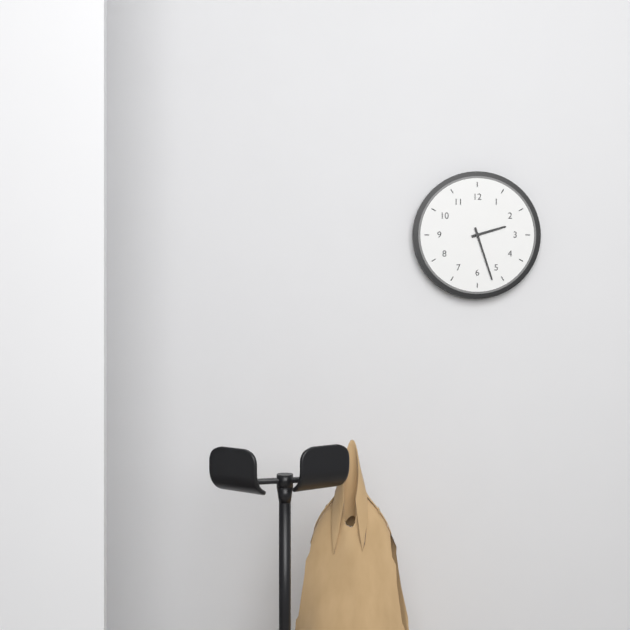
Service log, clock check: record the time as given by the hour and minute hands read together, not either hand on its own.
2:27
